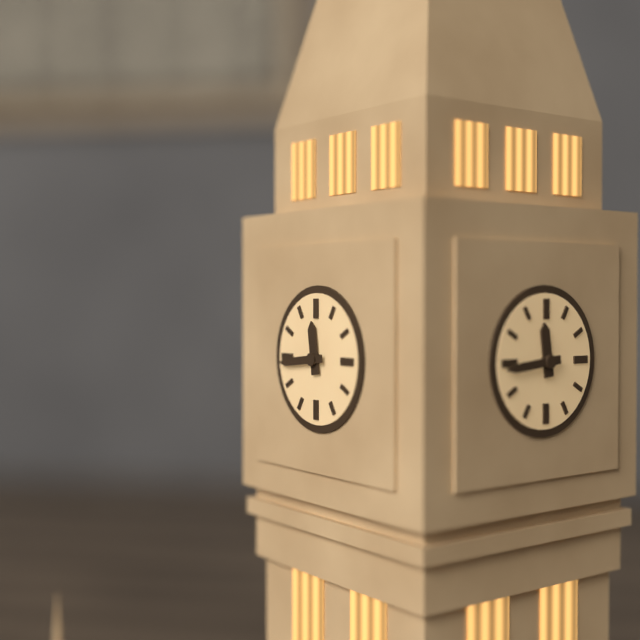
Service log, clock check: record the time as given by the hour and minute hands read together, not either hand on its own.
11:44
